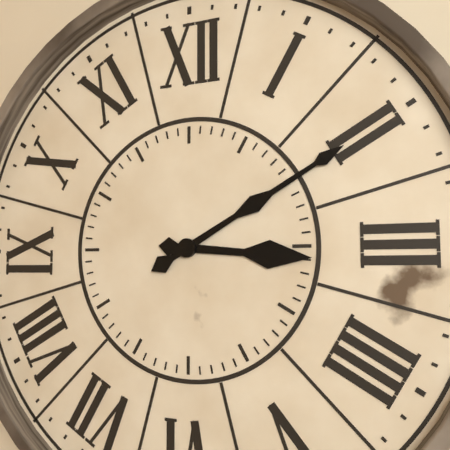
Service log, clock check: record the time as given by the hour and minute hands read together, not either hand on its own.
3:10
